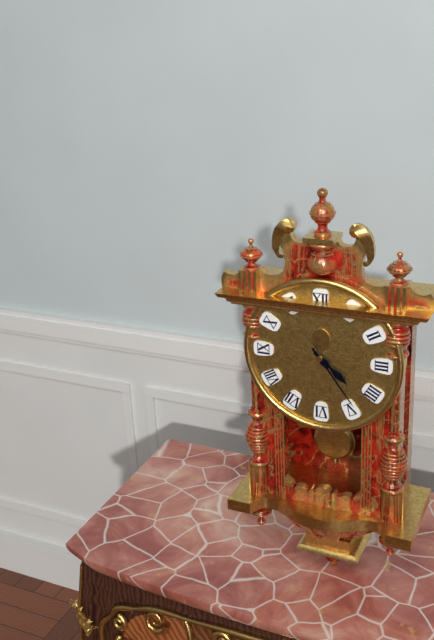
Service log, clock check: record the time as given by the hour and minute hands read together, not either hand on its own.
4:24
